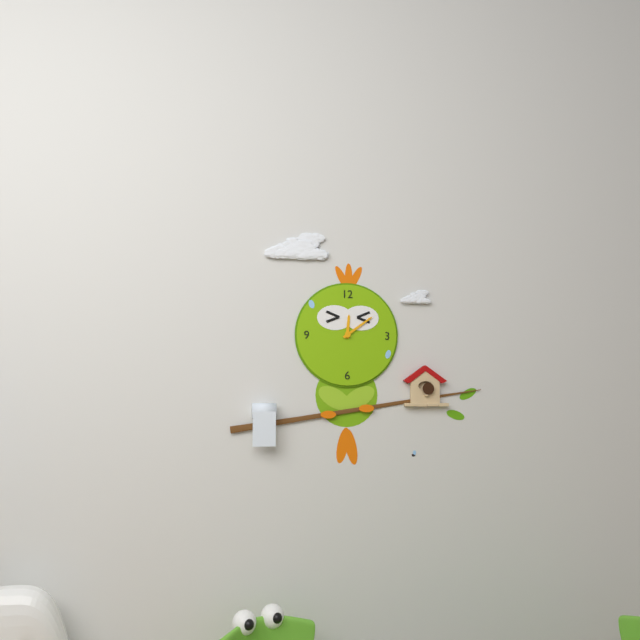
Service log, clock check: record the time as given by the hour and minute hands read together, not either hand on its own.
12:09
